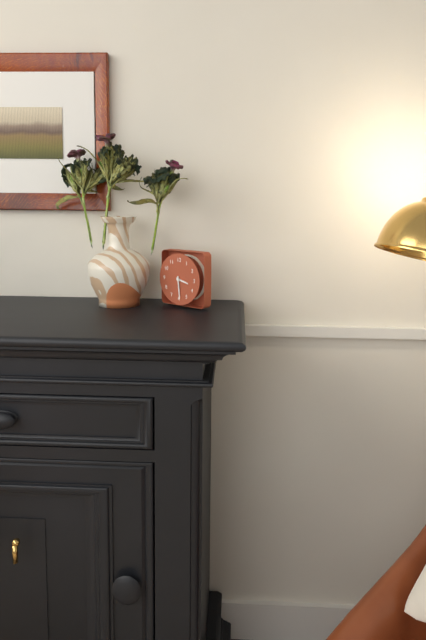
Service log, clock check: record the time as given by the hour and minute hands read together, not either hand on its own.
3:29
